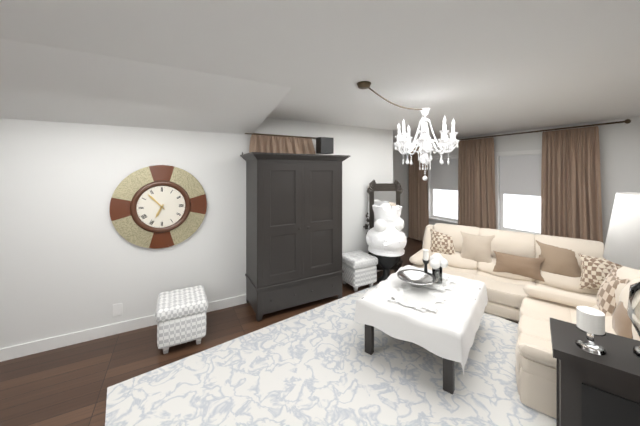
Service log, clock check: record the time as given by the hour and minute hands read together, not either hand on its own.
6:53
